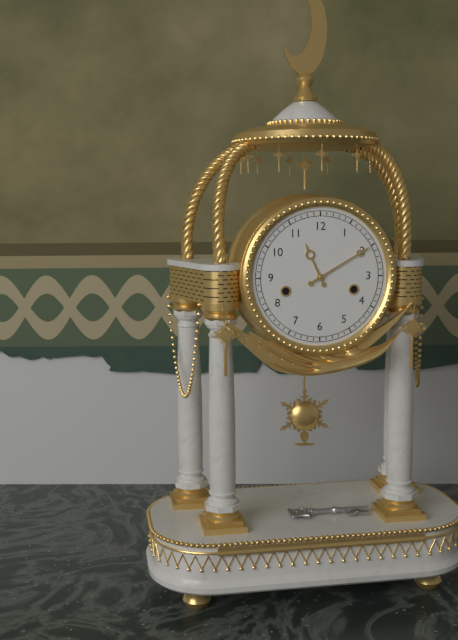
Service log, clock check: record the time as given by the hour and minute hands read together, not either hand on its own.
11:10
